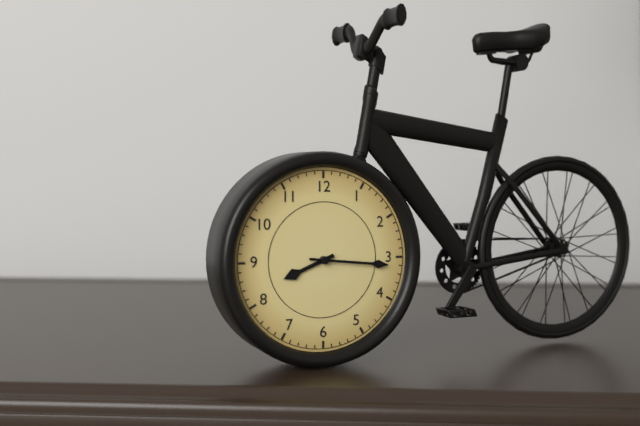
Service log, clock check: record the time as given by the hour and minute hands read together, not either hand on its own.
8:16
